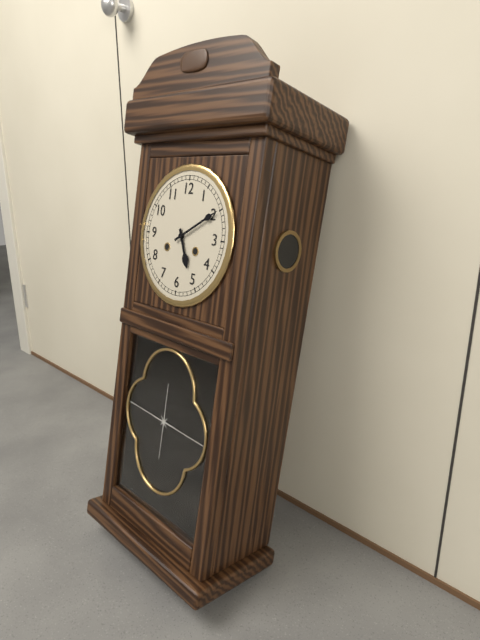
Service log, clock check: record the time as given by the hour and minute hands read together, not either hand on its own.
5:10
